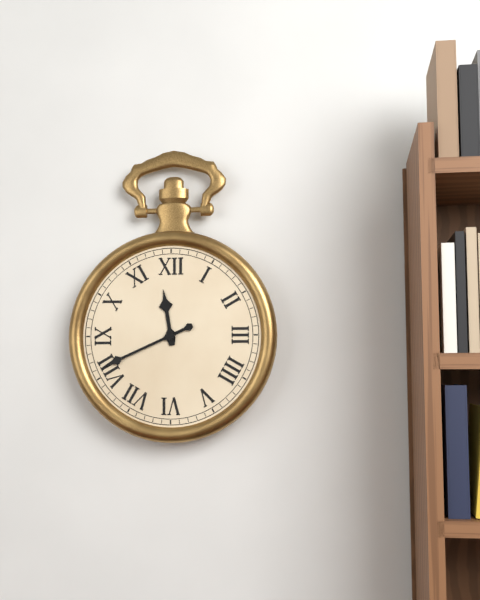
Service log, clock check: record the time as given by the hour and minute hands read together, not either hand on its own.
11:41
